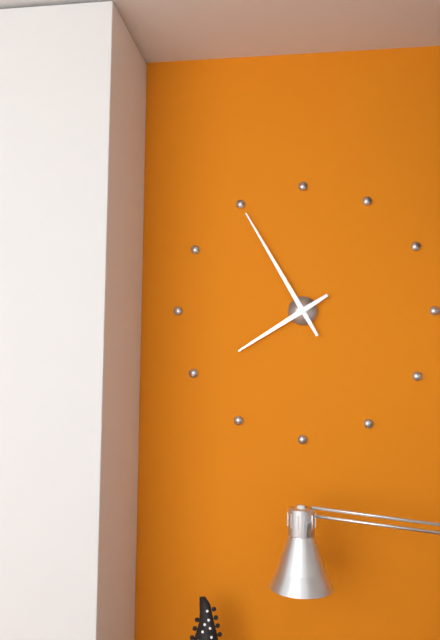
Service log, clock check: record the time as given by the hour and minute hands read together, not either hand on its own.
7:55
